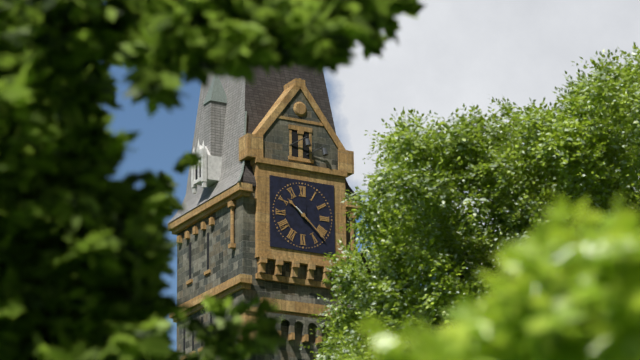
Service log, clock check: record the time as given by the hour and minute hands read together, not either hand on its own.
10:22
